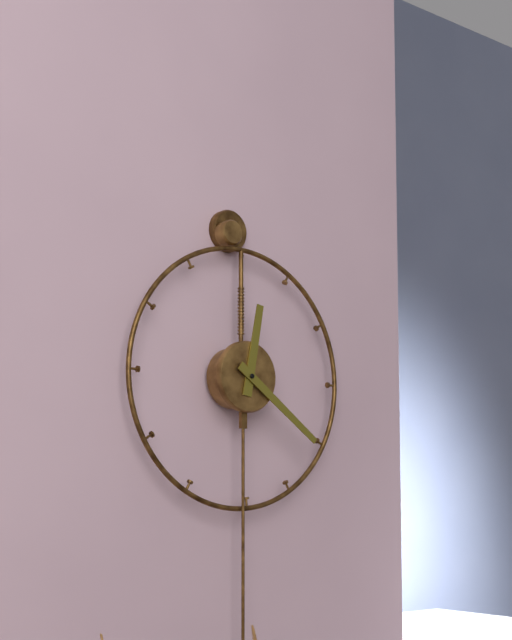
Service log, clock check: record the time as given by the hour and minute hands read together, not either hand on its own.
12:21
